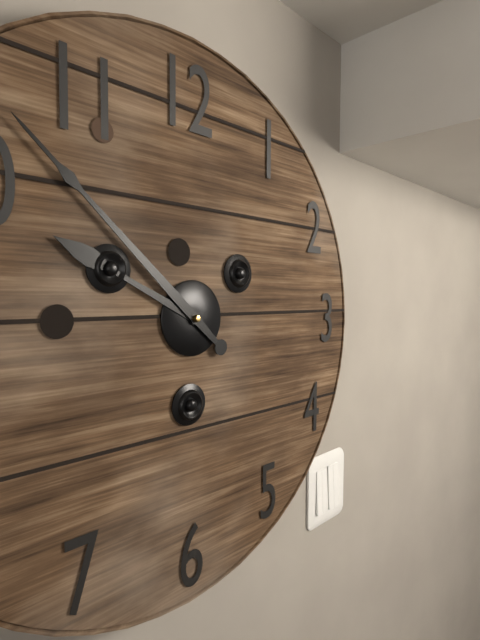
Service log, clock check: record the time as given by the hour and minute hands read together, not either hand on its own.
9:52
